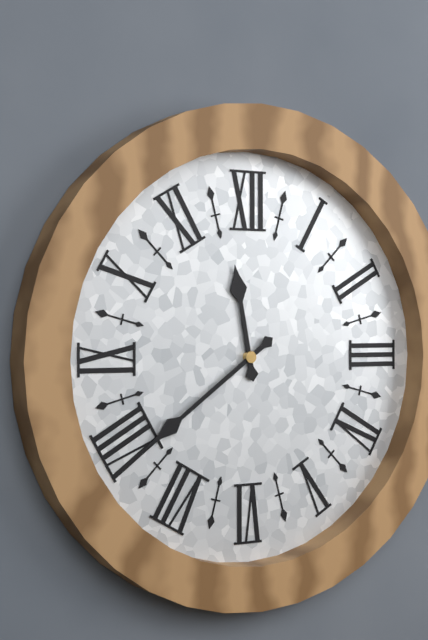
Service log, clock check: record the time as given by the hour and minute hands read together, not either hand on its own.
11:39
